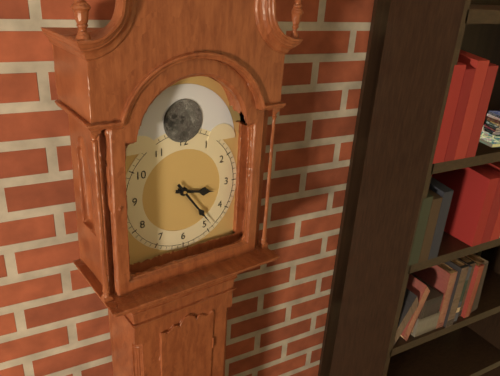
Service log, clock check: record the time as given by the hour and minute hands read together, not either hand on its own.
3:24
